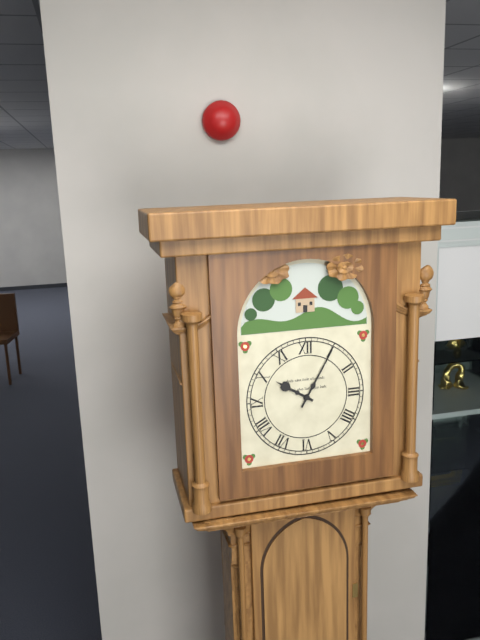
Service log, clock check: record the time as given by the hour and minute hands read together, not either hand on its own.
10:05
